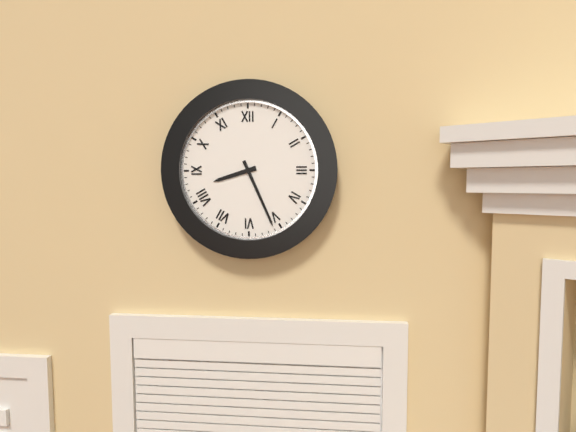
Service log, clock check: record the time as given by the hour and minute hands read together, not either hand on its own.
8:26
